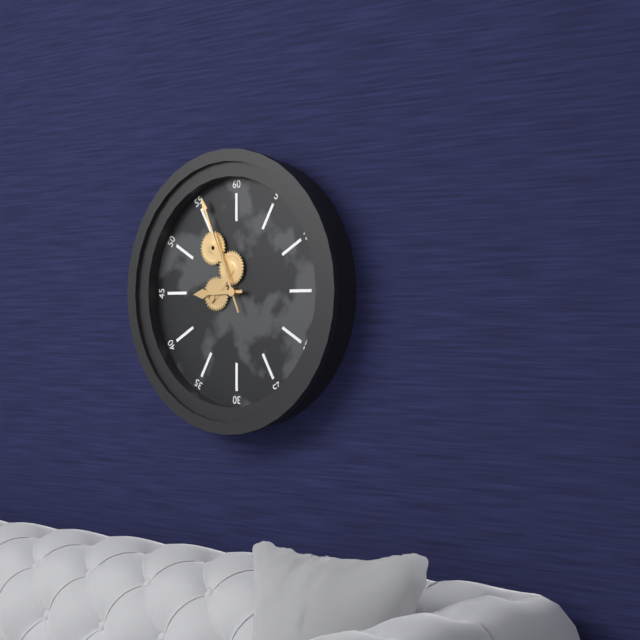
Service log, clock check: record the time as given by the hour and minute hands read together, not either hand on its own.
8:56
